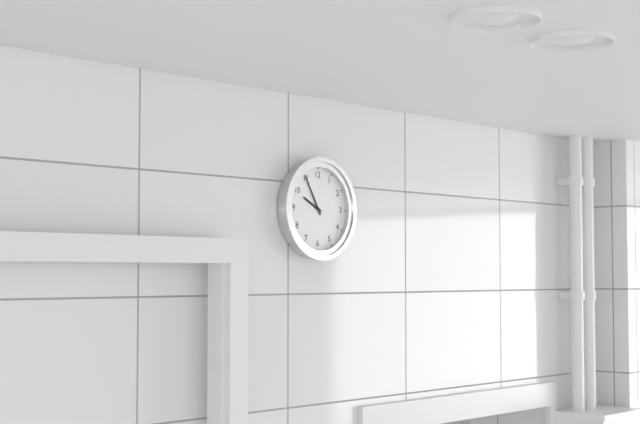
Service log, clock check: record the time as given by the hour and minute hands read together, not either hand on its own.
9:55
